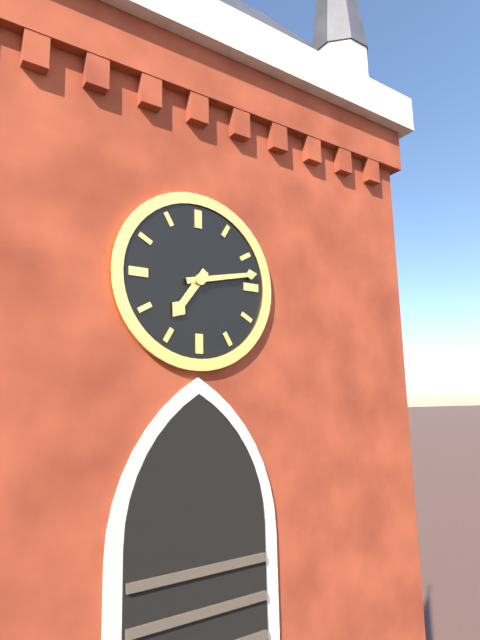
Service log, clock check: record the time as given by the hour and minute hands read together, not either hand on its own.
7:13
